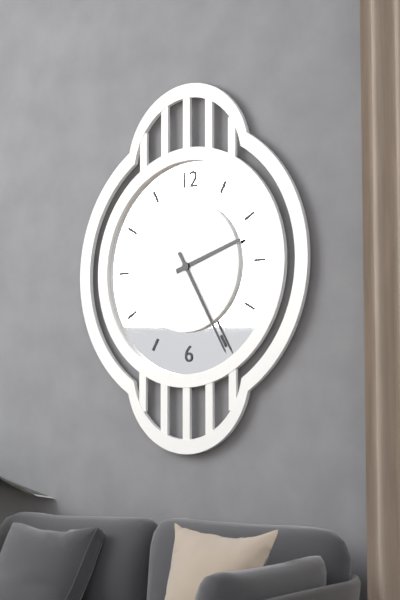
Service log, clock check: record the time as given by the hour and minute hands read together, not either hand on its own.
2:25
